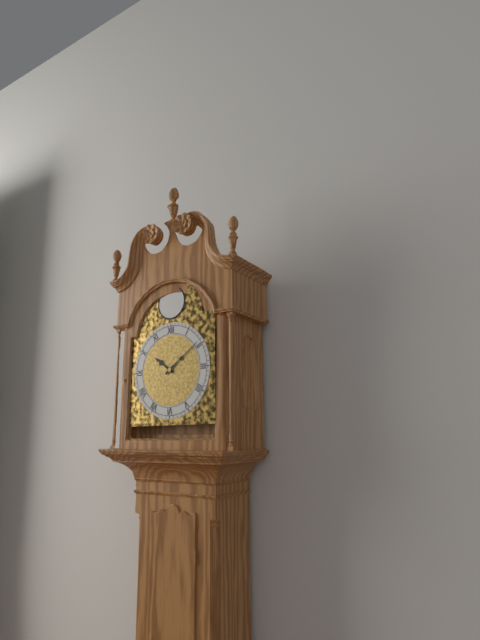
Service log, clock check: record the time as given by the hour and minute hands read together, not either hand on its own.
10:09
